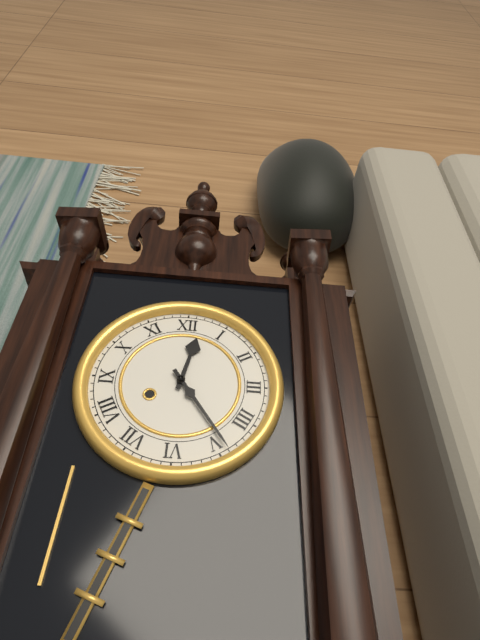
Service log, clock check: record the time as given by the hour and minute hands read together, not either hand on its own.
12:24
